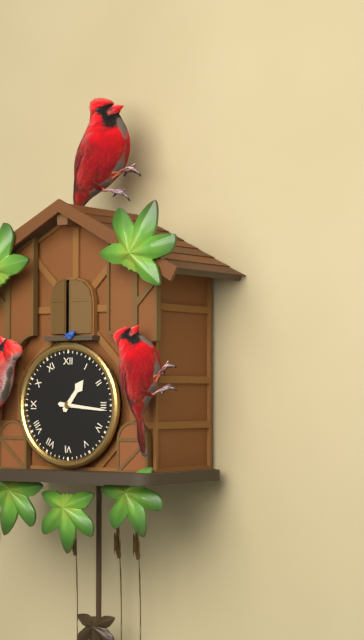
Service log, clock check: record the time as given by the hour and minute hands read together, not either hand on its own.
1:16
